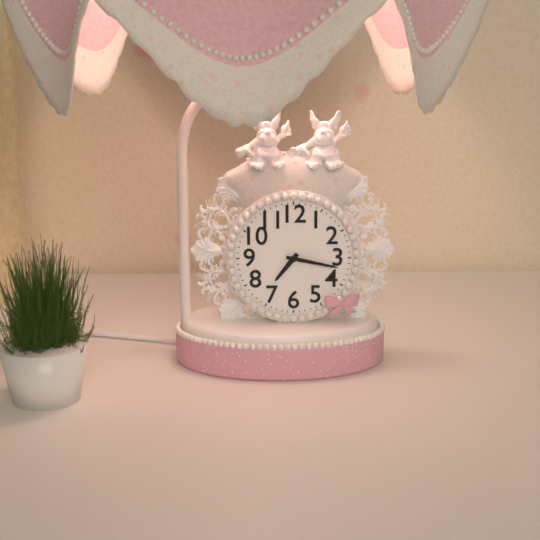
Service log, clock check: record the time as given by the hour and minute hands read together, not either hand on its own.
7:17
